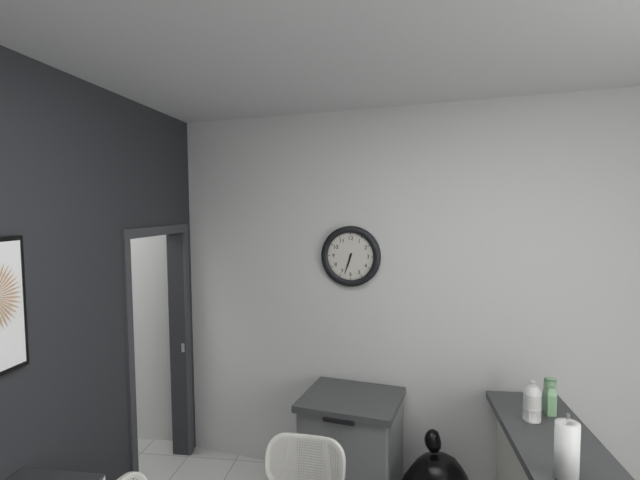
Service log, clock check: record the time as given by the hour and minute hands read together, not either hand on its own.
6:33
